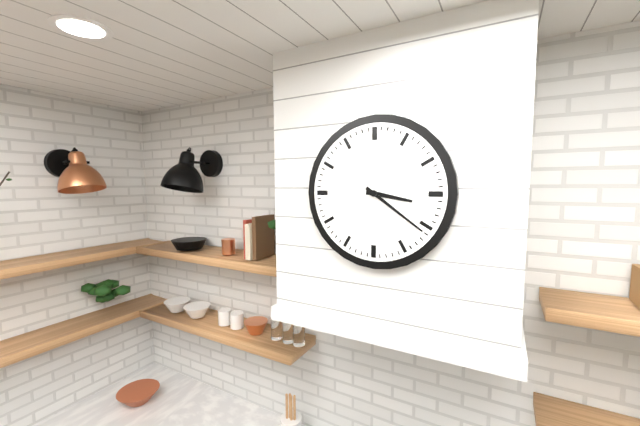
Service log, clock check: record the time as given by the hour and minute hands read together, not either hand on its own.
3:21
